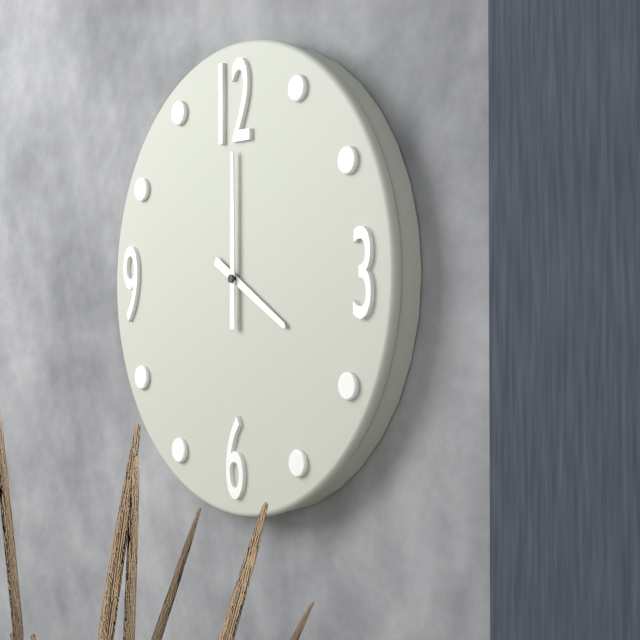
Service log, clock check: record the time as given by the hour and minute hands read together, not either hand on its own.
4:00
